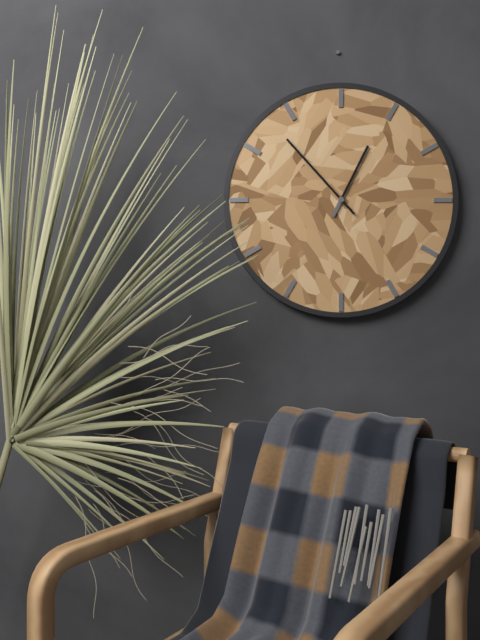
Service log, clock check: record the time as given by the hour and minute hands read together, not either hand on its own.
12:53
